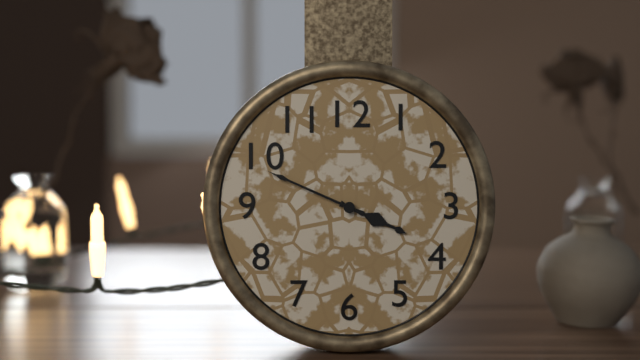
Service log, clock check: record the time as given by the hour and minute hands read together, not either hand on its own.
3:49
